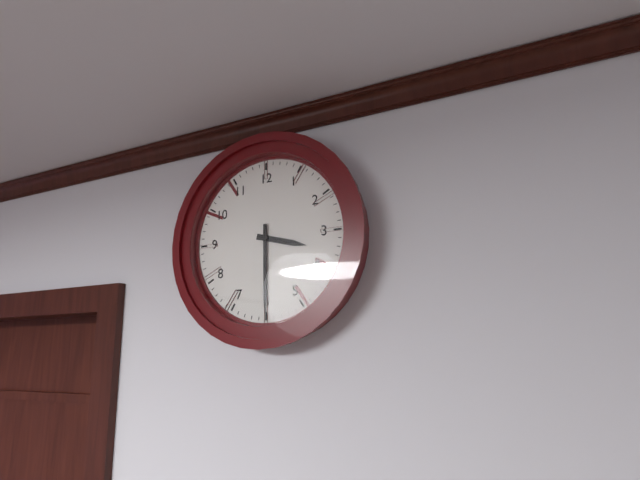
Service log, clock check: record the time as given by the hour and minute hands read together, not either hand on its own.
3:30
